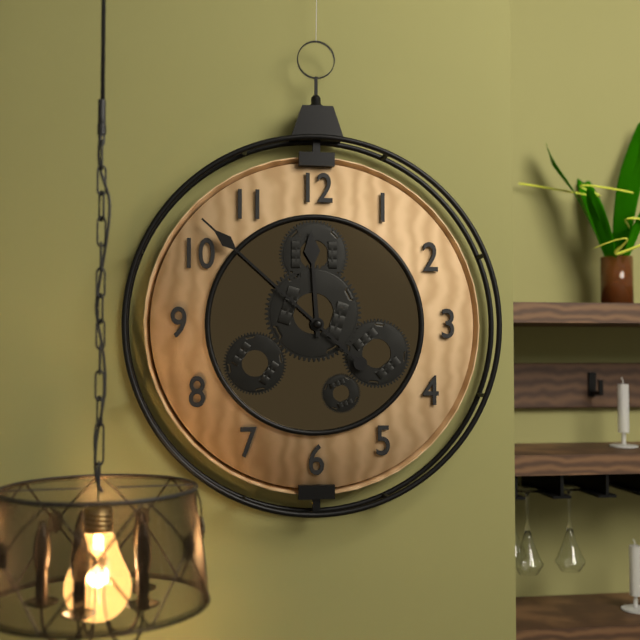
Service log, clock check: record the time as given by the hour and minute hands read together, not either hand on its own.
11:52
